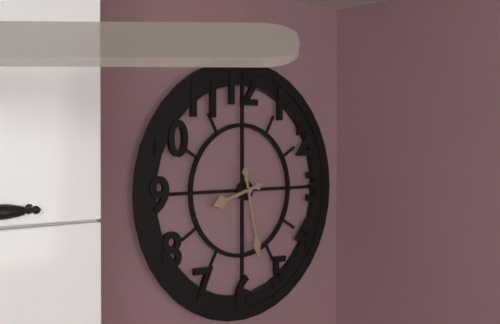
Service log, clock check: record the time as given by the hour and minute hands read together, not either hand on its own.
8:28
